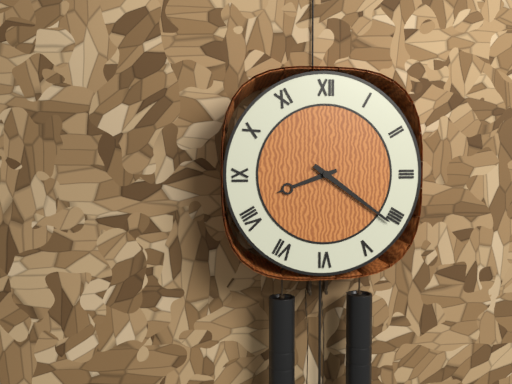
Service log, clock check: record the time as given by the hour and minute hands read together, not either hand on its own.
8:21
